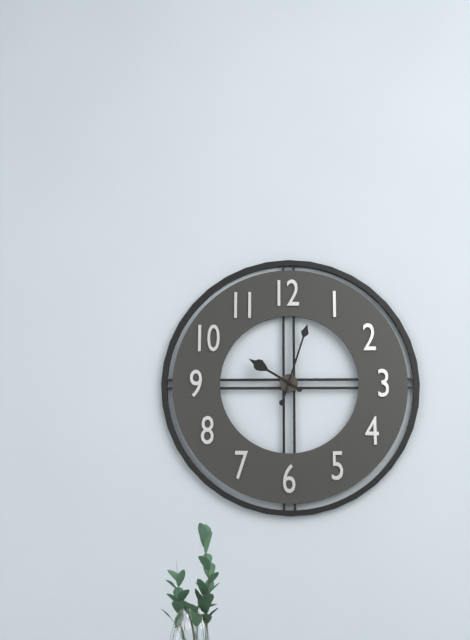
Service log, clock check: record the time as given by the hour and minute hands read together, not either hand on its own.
10:03
